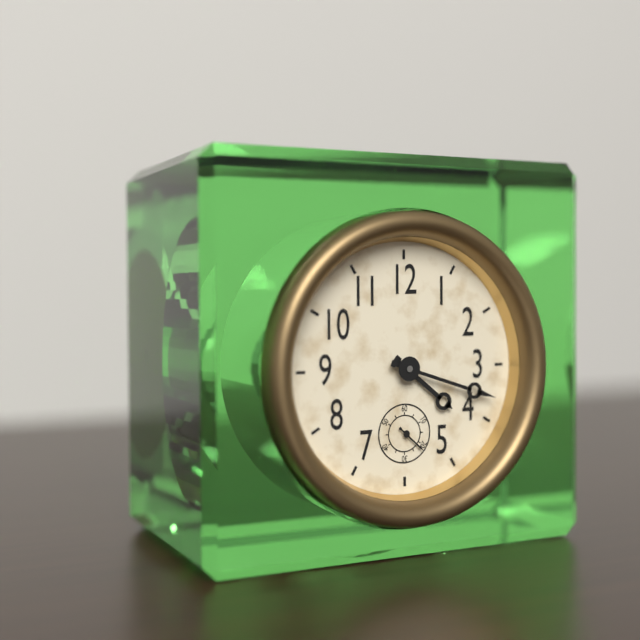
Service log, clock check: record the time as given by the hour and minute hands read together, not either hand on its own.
4:18
